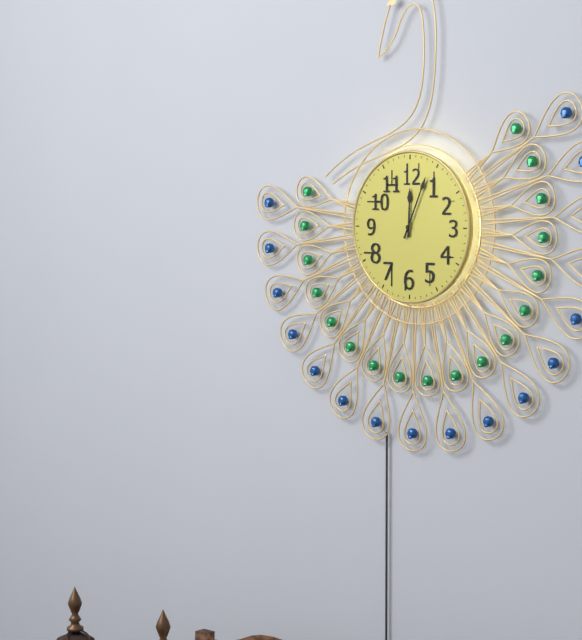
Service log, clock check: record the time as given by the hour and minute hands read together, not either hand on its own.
12:04
